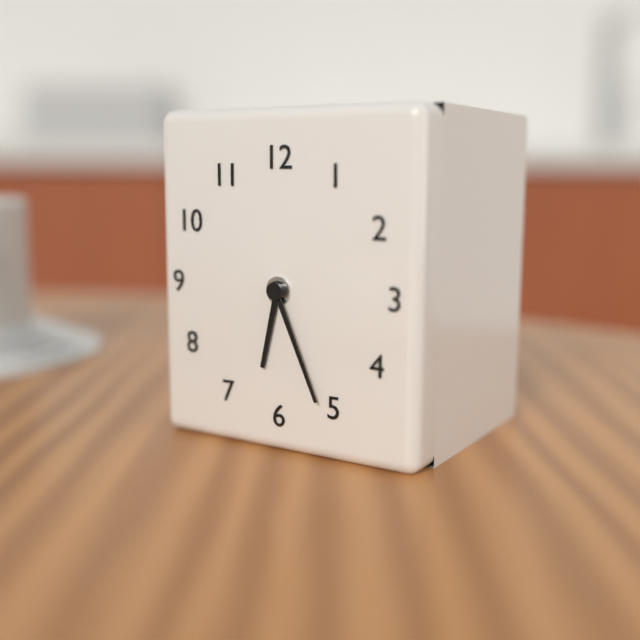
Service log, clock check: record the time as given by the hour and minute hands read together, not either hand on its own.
6:26
